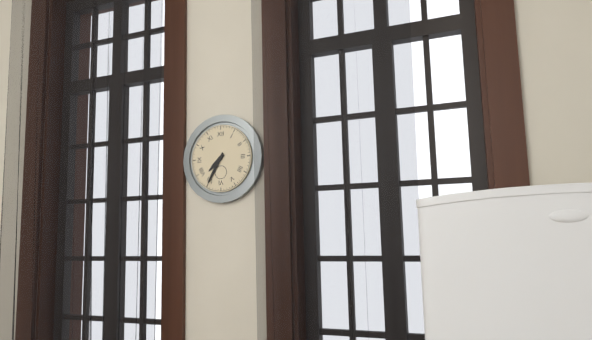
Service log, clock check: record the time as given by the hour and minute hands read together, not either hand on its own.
7:35
